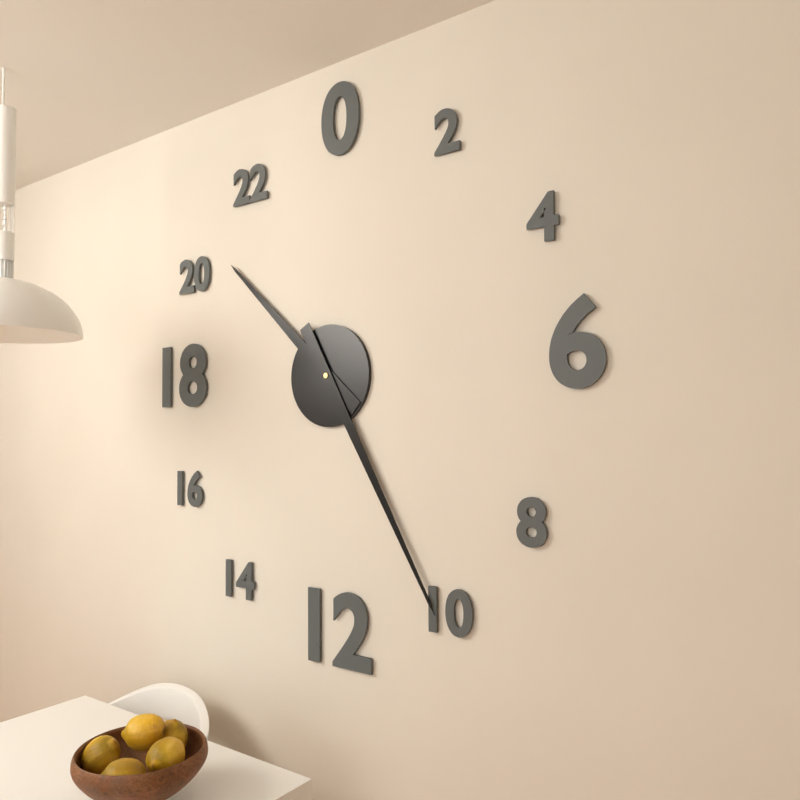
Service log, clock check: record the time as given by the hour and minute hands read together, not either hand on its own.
10:25
